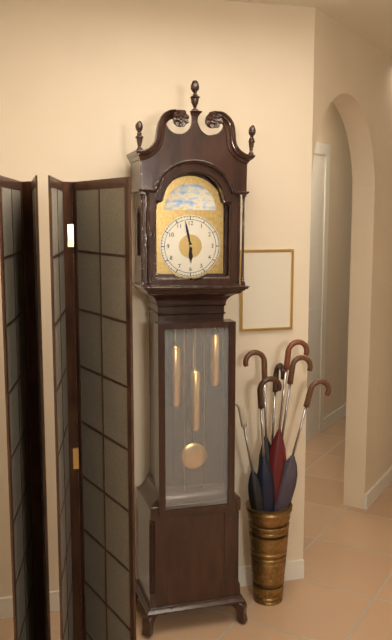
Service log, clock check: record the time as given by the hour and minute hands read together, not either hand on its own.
5:58
